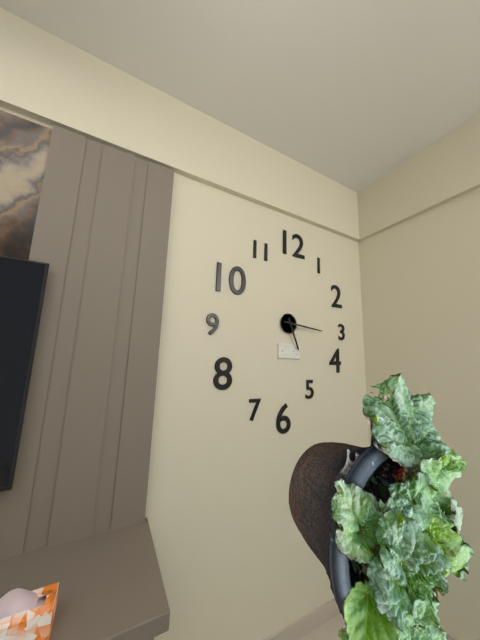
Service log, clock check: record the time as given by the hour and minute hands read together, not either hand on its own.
5:16
